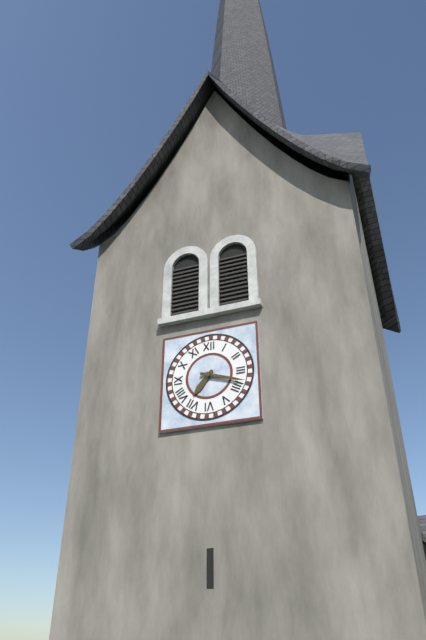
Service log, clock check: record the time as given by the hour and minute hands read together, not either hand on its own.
7:18
